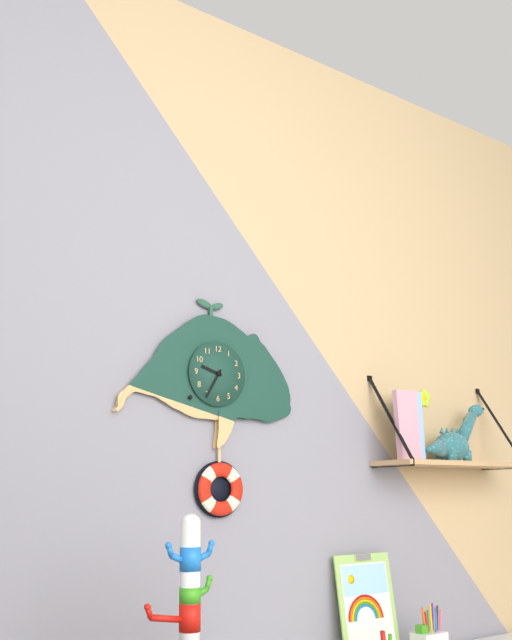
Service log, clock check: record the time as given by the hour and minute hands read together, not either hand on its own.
9:35
